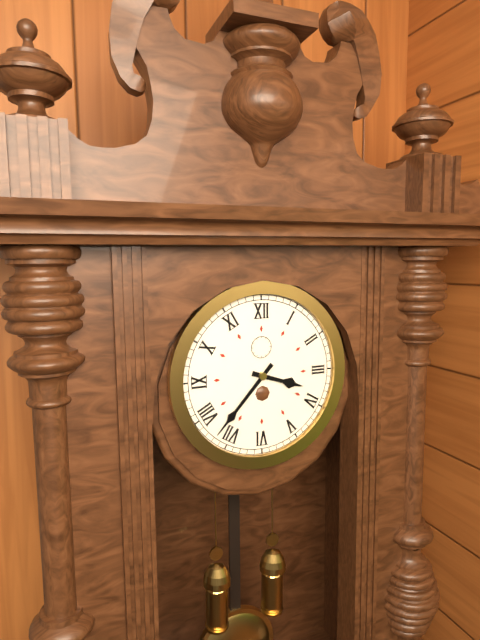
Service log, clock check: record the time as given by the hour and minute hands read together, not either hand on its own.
3:37
